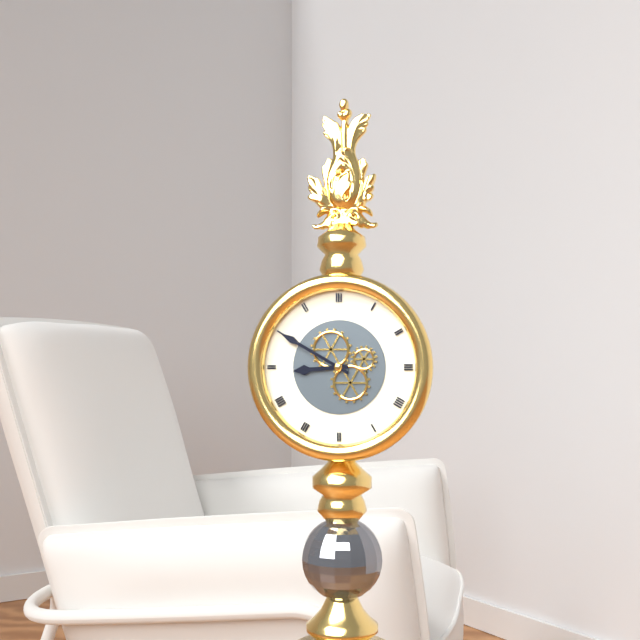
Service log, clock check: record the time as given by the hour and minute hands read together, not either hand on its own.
8:50
